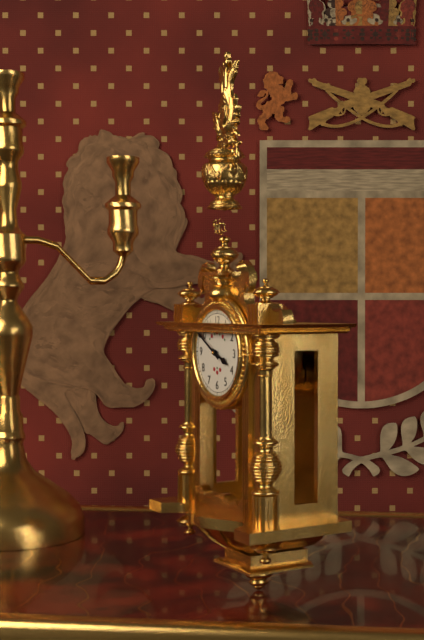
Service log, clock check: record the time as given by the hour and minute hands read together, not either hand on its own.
3:50
